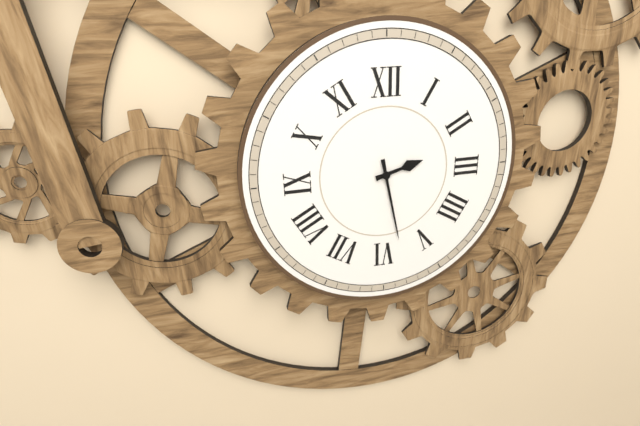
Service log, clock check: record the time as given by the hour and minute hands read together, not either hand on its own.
2:28
